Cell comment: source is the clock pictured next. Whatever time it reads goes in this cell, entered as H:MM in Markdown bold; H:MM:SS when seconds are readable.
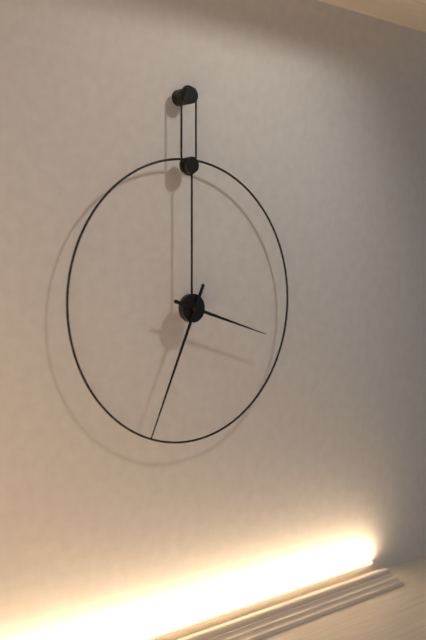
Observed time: **3:34**
